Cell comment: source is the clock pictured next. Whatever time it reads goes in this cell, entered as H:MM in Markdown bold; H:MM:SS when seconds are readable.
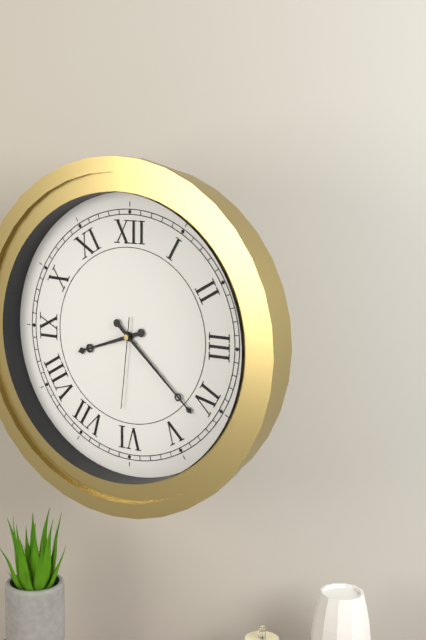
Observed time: **8:22:31**
